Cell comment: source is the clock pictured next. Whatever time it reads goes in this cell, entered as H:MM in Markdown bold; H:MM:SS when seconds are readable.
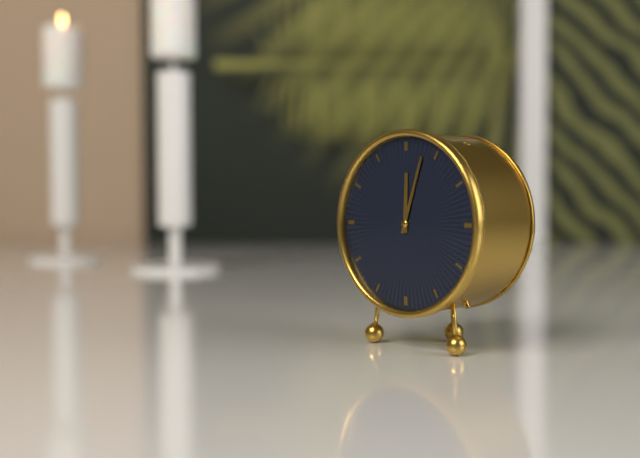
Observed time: **12:03**
